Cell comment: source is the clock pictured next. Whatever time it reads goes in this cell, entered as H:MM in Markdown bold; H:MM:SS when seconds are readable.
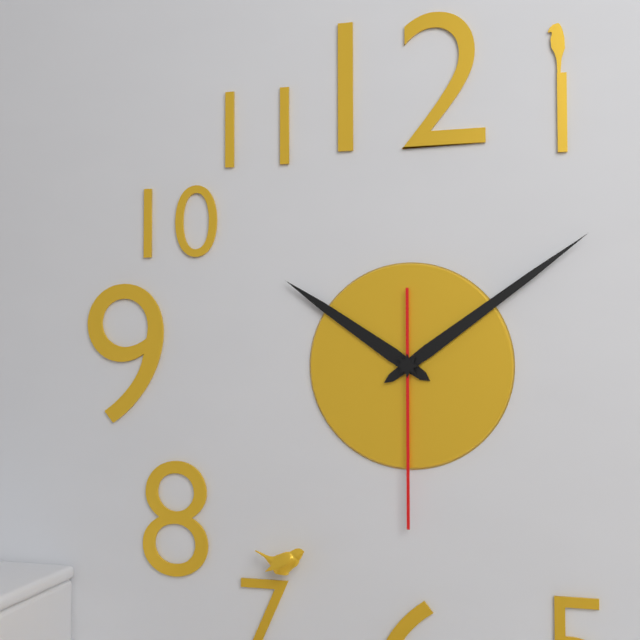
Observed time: **10:09:30**
